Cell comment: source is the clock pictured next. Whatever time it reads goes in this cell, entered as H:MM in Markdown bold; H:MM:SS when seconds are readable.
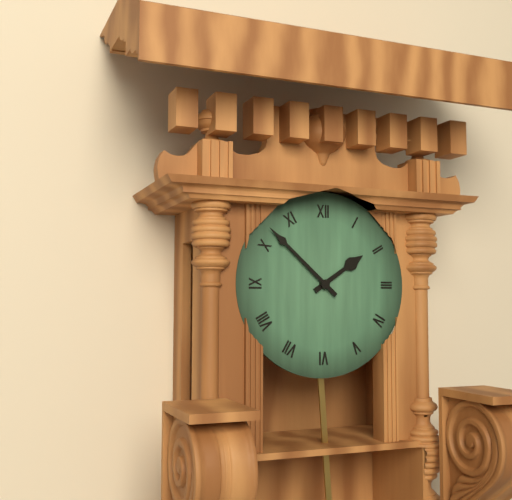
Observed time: **1:52**
